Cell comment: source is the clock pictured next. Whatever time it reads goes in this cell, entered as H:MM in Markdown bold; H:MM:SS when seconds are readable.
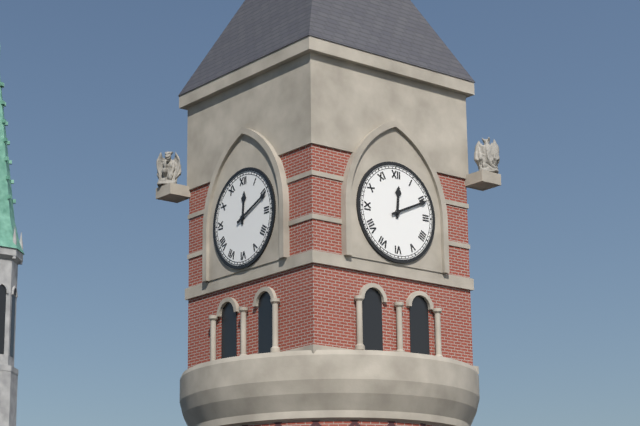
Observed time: **12:11**
